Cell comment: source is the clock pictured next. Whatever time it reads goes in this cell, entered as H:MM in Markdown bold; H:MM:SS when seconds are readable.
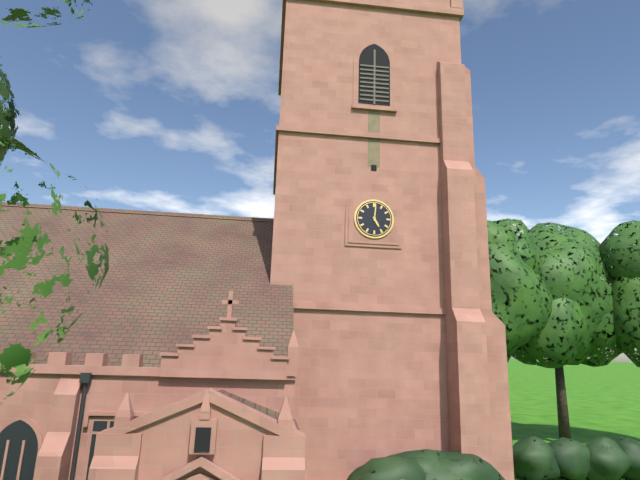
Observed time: **5:01**
